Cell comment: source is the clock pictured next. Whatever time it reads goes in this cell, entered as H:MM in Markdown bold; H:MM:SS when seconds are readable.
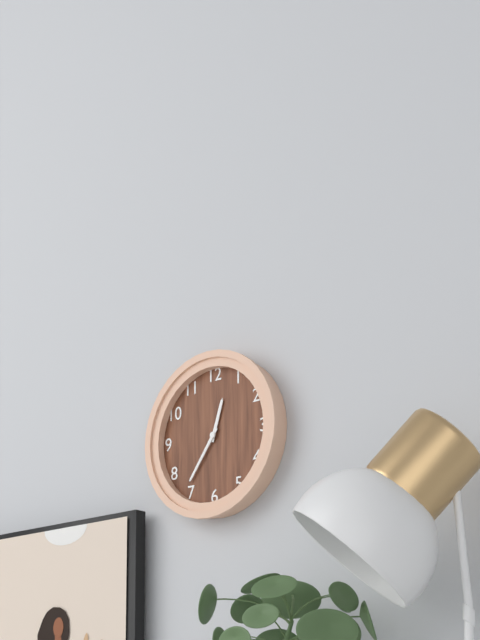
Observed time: **12:36**
